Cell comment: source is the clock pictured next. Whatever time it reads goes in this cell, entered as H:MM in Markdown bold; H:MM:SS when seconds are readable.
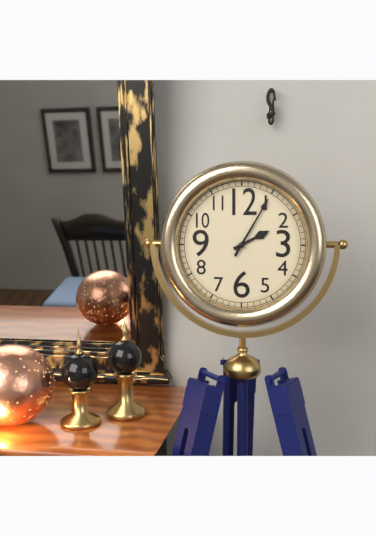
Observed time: **2:05**
